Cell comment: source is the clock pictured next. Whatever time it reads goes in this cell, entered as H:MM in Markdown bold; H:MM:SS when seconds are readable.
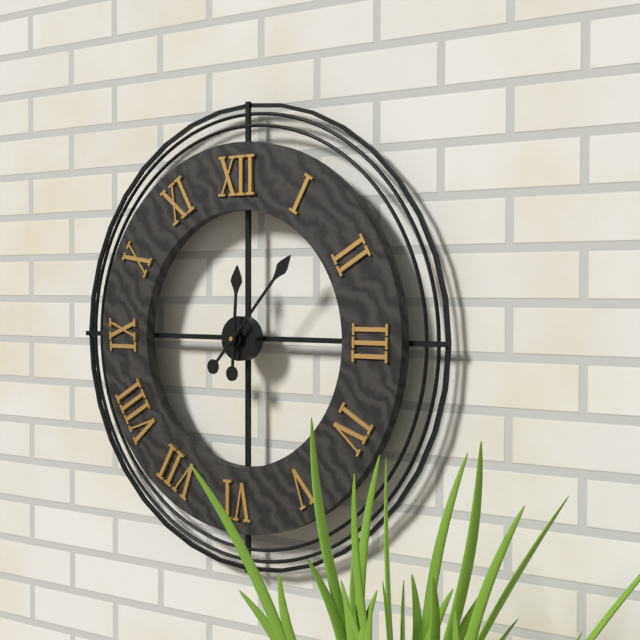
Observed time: **12:07**
